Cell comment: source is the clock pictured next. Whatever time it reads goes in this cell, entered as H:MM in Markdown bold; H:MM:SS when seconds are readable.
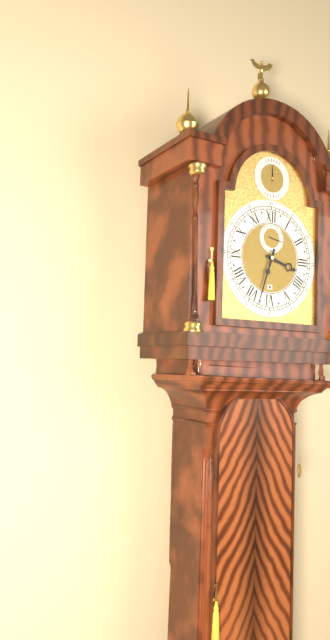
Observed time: **3:33**
